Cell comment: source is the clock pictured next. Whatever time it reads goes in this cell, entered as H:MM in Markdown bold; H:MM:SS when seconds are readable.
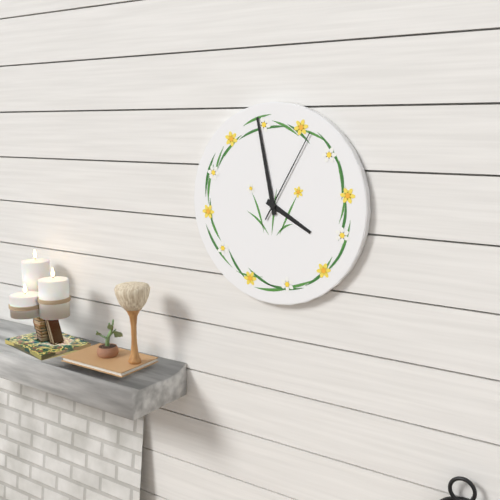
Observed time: **3:58:05**
